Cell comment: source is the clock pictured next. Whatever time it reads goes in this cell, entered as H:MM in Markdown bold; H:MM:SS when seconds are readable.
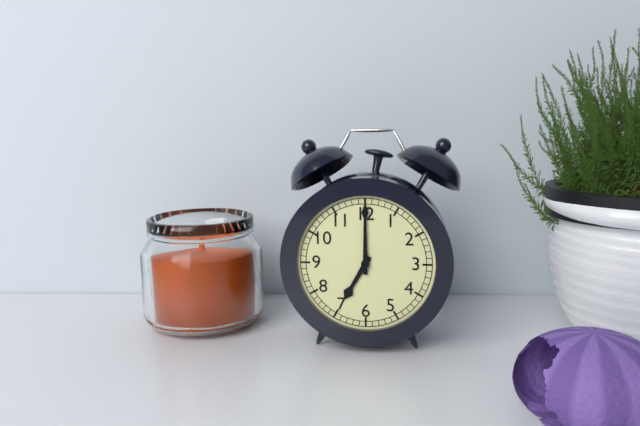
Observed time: **7:00**
